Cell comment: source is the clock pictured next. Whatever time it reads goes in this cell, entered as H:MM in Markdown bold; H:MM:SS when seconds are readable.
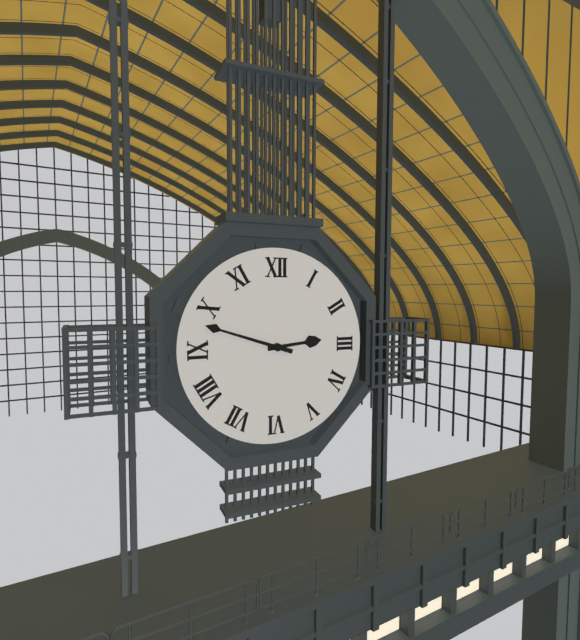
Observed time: **2:48**
